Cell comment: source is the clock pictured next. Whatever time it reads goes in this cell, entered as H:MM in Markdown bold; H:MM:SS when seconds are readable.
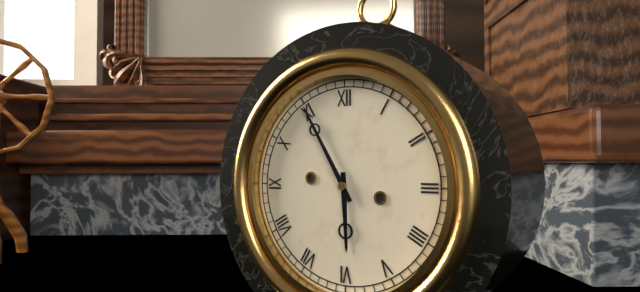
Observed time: **5:55**
